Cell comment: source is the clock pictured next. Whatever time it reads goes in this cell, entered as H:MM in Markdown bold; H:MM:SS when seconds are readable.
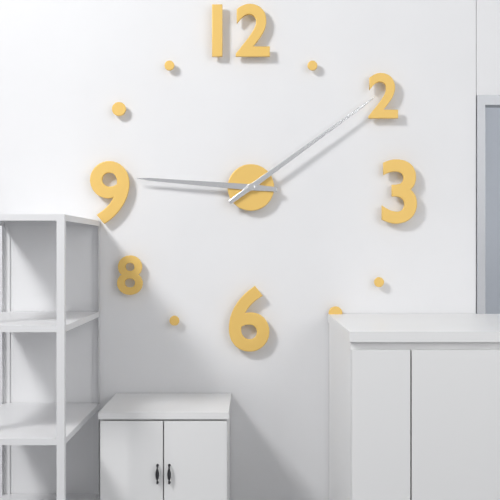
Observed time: **9:09**
